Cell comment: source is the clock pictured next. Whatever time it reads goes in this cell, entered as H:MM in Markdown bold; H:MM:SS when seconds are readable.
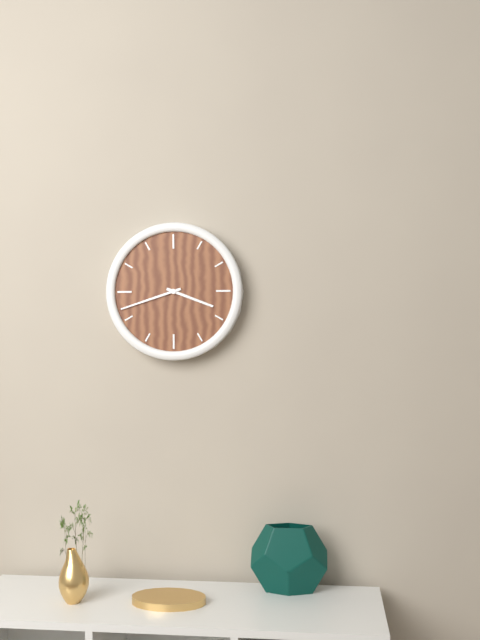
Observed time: **3:42**
